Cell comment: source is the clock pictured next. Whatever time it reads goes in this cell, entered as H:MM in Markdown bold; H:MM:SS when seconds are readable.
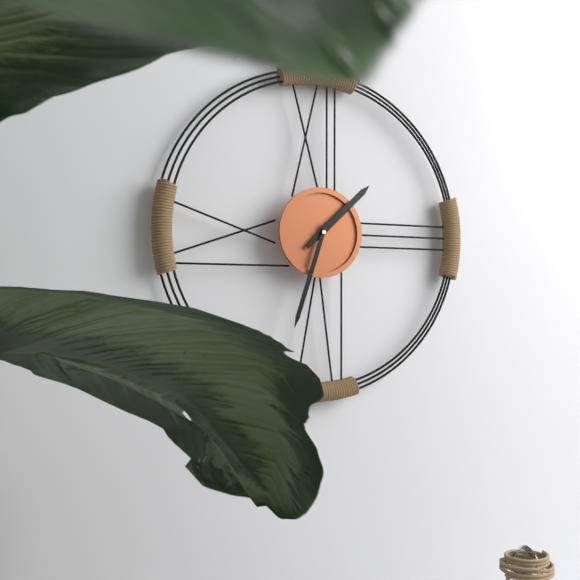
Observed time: **1:33**
